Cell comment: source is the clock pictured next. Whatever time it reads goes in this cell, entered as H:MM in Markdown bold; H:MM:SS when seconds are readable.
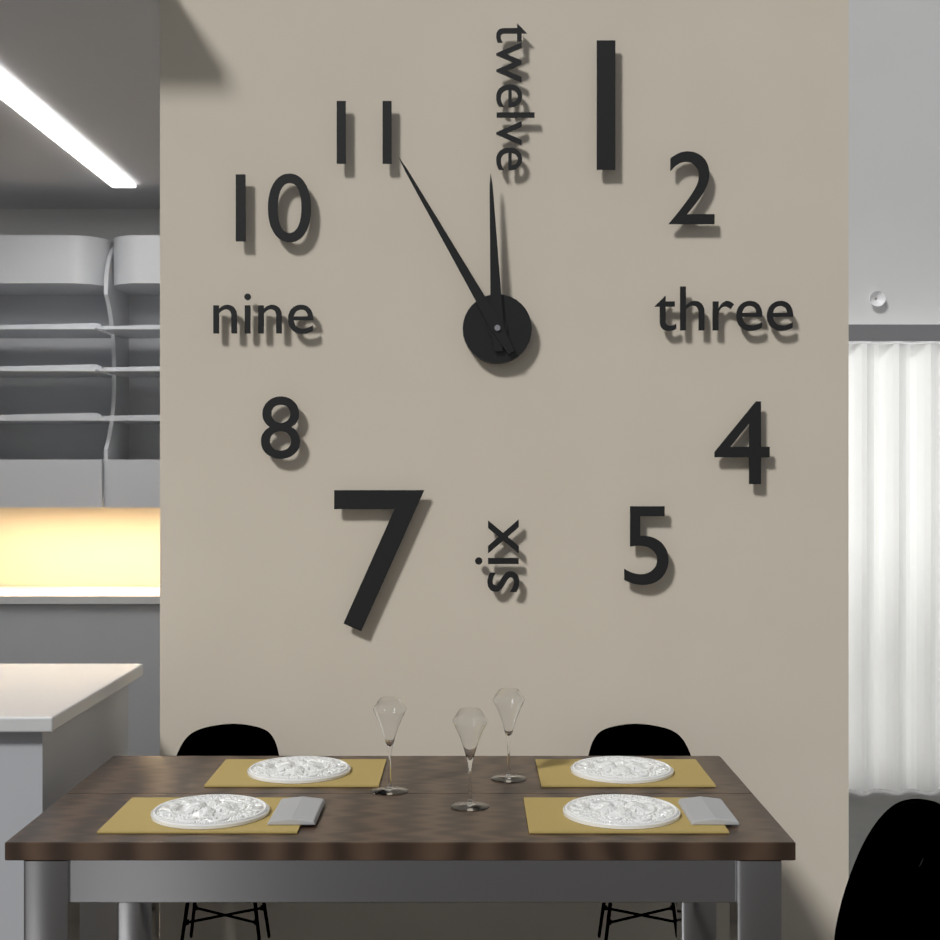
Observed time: **11:55**
